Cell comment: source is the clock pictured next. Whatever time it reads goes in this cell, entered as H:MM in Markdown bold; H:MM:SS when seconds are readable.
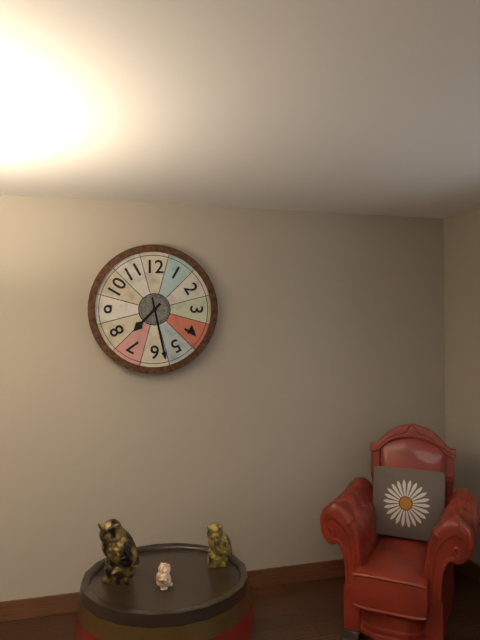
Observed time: **7:28**
